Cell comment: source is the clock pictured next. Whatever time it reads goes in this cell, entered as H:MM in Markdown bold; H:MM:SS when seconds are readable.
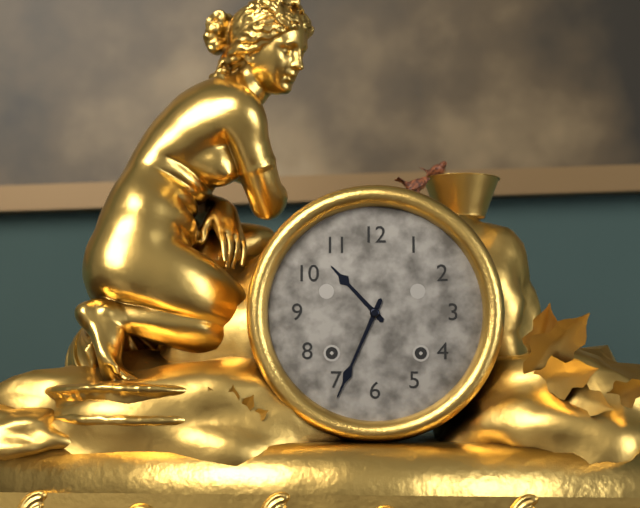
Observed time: **10:34**
